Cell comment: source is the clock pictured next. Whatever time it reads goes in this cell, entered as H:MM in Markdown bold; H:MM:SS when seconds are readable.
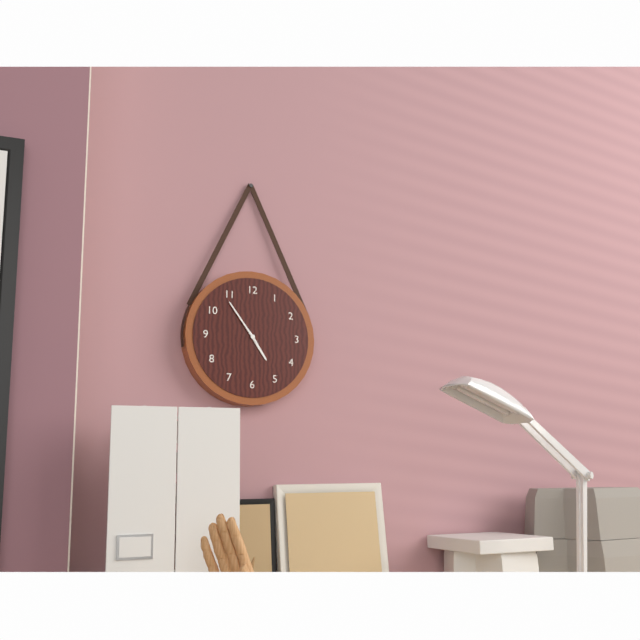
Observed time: **4:54**
